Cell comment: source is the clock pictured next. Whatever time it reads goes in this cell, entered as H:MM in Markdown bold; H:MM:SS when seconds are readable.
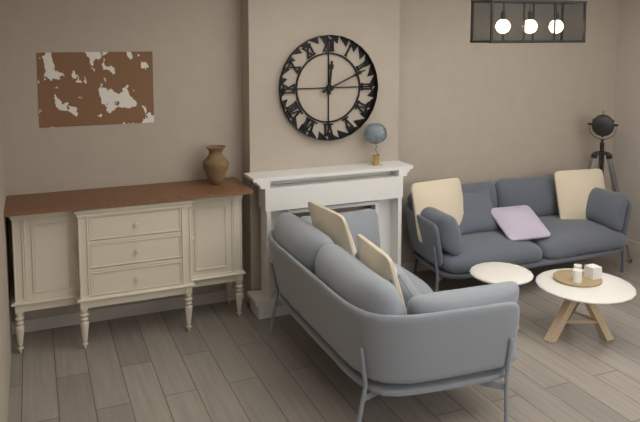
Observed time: **12:11**
